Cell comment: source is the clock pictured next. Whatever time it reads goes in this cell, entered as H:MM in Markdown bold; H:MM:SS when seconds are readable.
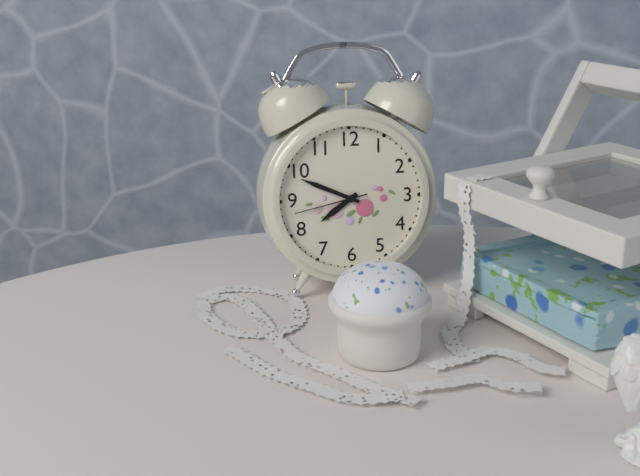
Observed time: **7:49:43**
